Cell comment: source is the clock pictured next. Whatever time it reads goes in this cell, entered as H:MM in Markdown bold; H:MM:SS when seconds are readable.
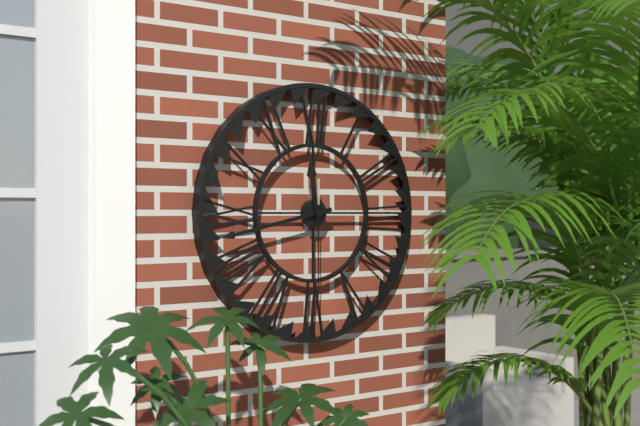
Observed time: **11:43:30**
